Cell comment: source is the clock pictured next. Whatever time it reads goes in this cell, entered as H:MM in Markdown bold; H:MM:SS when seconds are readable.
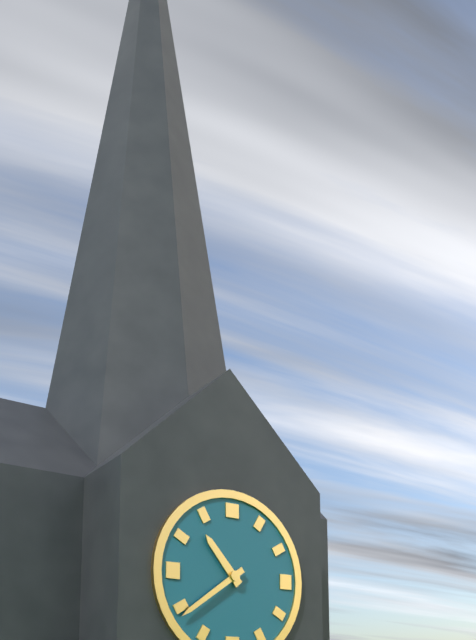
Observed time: **10:39**
